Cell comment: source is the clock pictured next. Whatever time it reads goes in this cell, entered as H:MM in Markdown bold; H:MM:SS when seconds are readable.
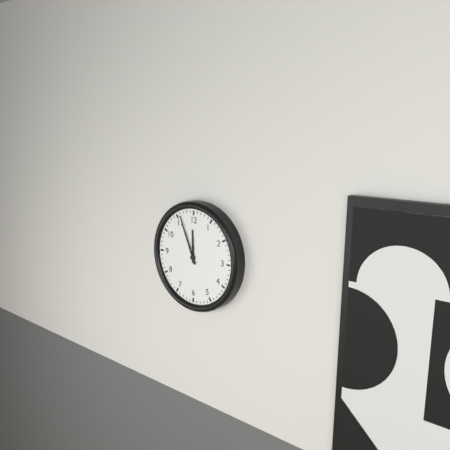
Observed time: **11:56**
